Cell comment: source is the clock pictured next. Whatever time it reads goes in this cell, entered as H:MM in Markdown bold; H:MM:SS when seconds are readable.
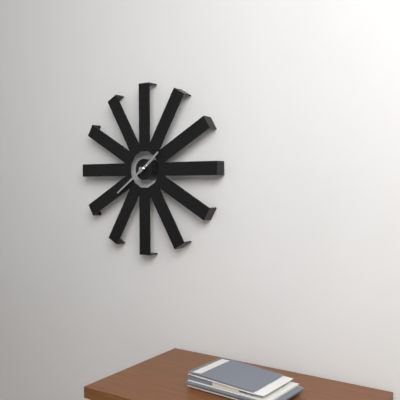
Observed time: **1:39**
